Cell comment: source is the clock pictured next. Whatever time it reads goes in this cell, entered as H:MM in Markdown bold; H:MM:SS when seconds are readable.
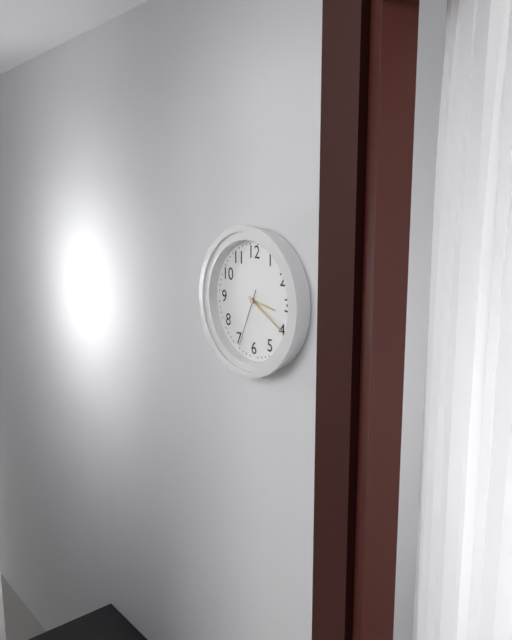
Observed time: **3:20:34**
